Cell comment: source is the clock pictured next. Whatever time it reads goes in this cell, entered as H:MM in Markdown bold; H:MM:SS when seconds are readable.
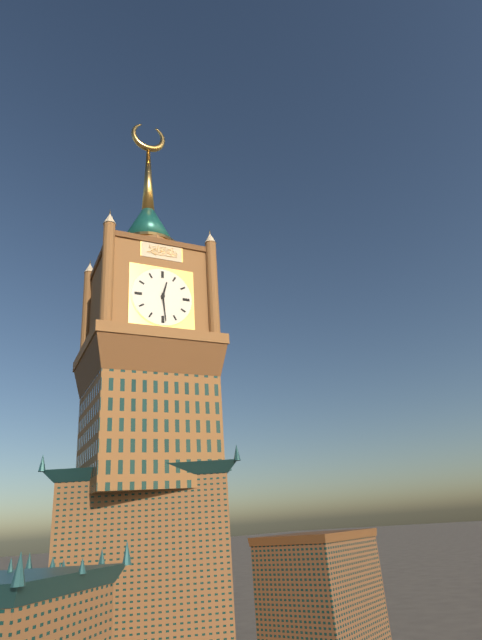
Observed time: **12:29**
